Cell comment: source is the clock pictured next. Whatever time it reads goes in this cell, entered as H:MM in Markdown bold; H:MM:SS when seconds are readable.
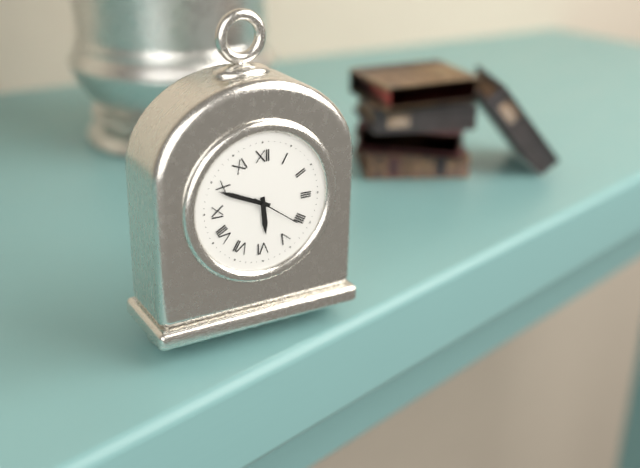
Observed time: **5:49**
